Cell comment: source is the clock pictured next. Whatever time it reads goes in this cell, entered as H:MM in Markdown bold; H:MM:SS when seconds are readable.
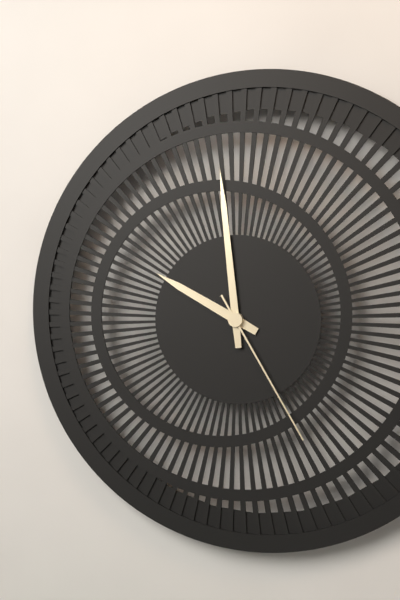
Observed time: **9:59:25**
